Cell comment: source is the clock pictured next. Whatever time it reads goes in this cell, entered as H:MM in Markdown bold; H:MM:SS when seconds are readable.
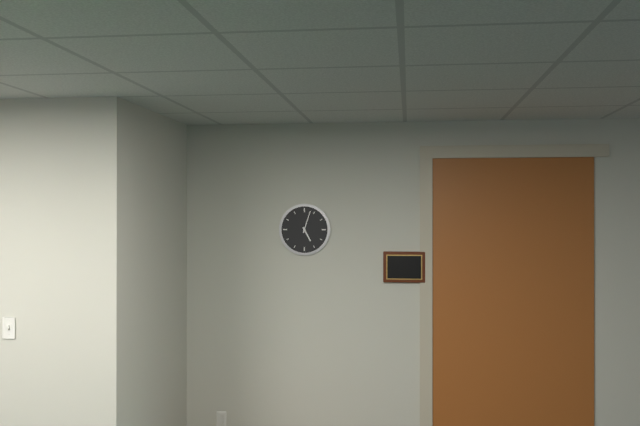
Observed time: **5:03**
